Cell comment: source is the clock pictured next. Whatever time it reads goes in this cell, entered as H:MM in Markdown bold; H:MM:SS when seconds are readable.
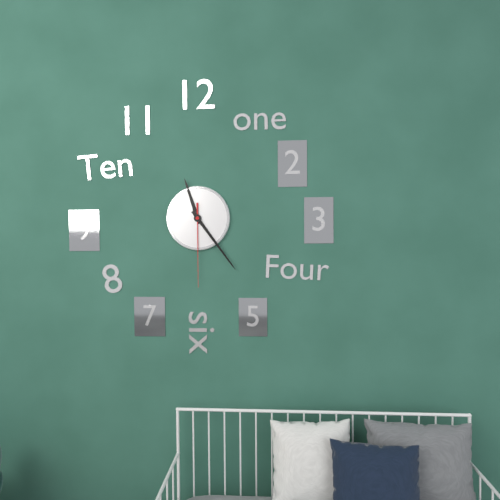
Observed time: **11:24:30**
